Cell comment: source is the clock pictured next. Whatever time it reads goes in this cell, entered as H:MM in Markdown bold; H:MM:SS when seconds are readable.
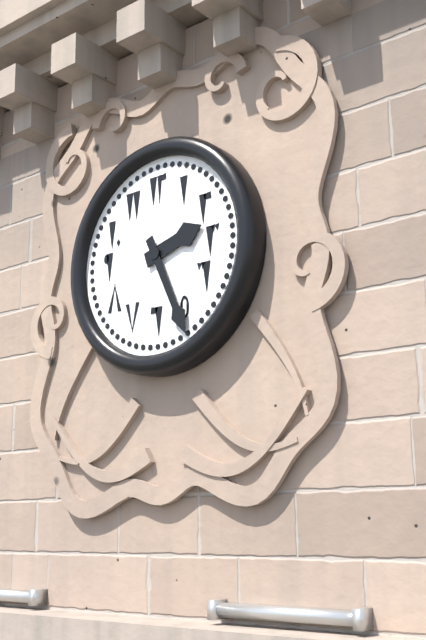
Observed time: **2:26**
